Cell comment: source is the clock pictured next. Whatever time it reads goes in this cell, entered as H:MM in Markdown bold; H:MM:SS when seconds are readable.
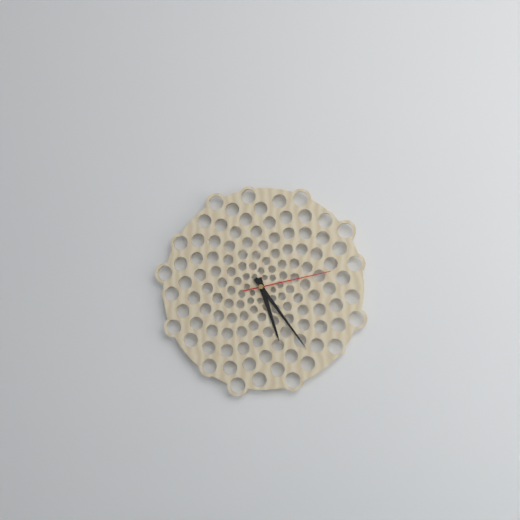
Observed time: **5:24:13**
